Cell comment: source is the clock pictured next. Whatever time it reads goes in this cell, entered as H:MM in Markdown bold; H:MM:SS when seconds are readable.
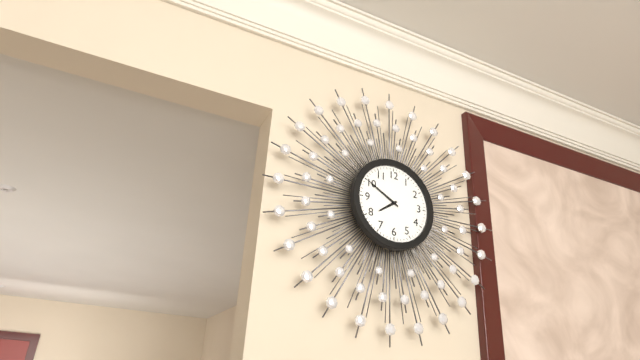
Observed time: **7:50**
